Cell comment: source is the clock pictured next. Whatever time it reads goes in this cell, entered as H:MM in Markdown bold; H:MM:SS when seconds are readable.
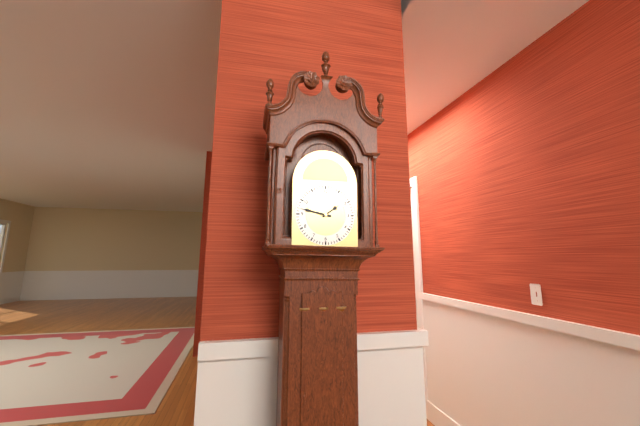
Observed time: **1:47**
